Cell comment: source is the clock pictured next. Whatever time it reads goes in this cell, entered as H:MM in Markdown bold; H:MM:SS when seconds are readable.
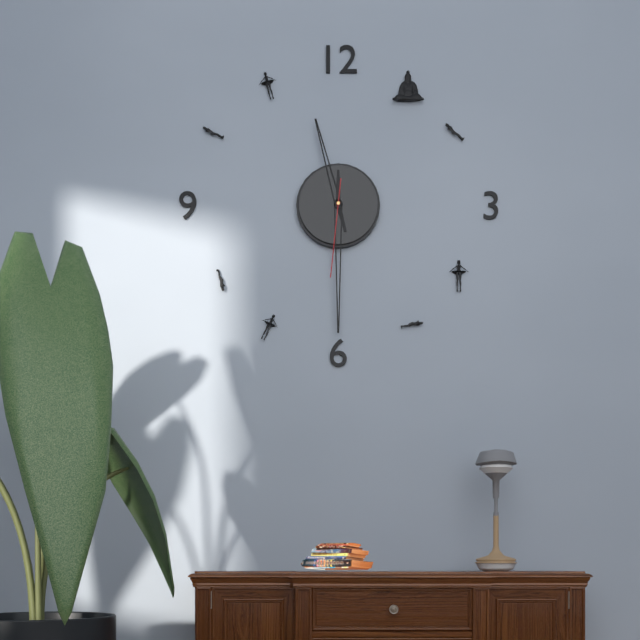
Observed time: **11:30:31**
